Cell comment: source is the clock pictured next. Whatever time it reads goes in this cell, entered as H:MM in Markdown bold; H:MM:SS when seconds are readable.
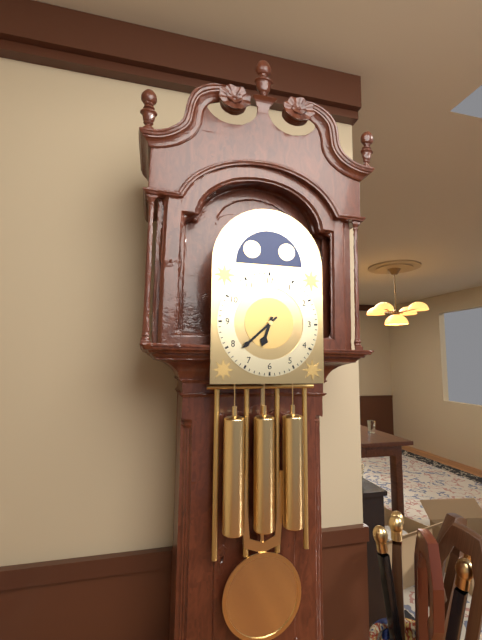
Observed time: **6:38**
